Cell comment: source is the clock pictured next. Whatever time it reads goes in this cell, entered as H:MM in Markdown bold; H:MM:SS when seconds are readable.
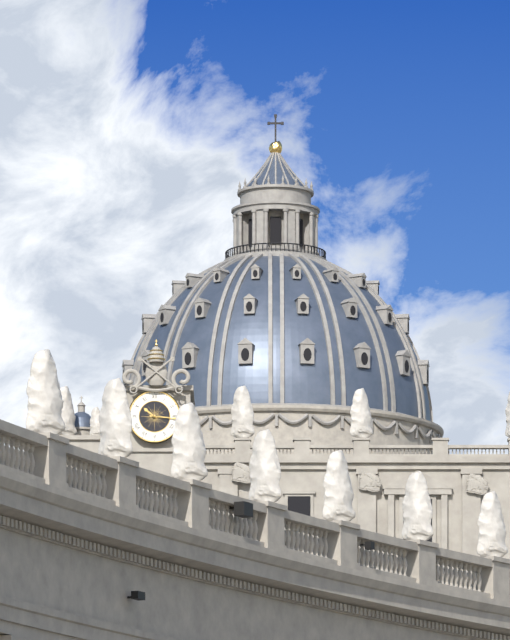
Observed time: **10:16**
